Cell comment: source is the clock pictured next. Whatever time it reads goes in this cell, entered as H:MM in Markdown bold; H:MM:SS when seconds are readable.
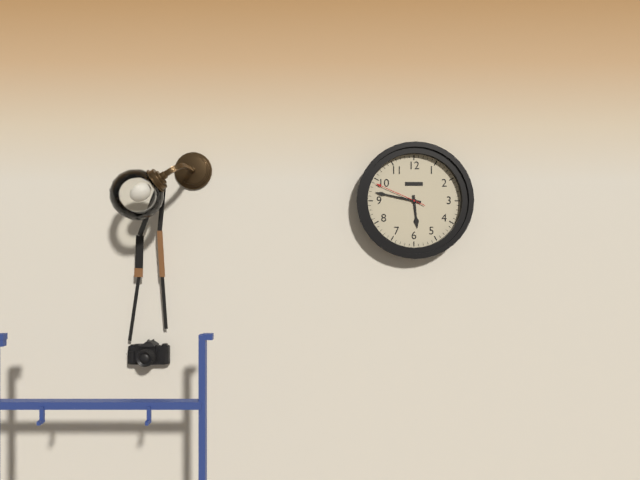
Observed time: **5:47:49**
